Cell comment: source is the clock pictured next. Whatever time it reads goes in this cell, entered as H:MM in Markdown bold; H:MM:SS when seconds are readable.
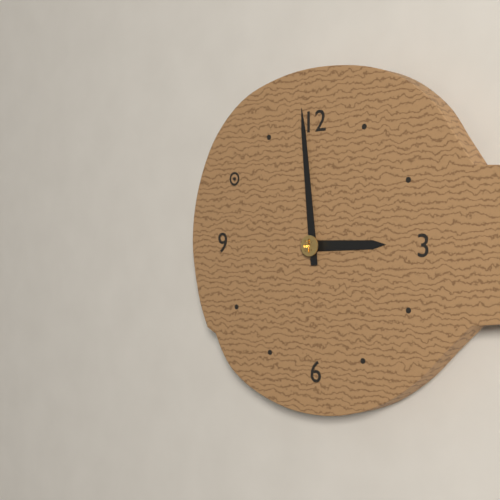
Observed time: **2:59**
